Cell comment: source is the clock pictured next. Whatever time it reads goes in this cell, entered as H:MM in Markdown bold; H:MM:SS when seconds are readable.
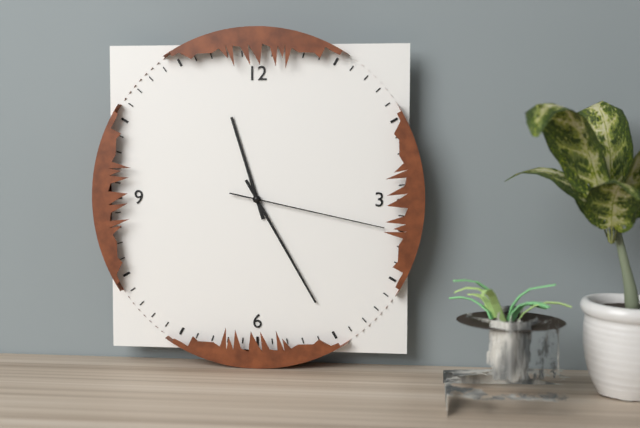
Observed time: **11:25:17**
